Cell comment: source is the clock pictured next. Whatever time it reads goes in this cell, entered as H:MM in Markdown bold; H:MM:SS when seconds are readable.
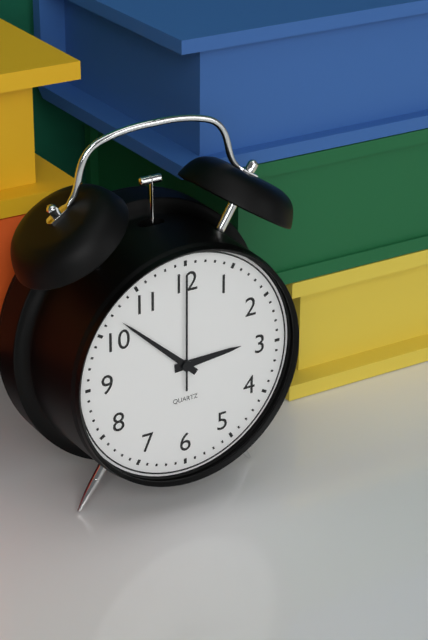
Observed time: **2:52:00**
